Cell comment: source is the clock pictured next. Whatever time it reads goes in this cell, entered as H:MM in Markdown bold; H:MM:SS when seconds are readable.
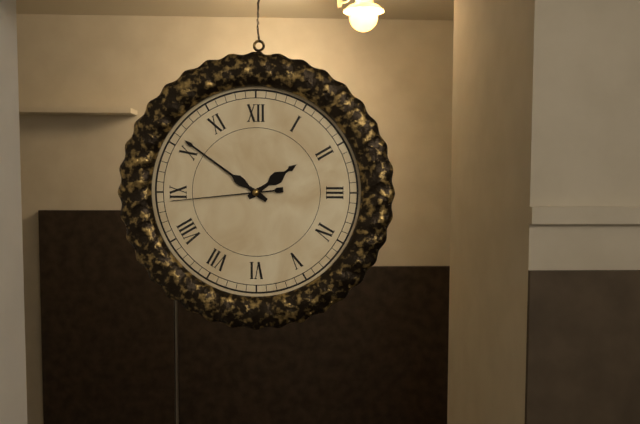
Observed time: **1:51:44**
